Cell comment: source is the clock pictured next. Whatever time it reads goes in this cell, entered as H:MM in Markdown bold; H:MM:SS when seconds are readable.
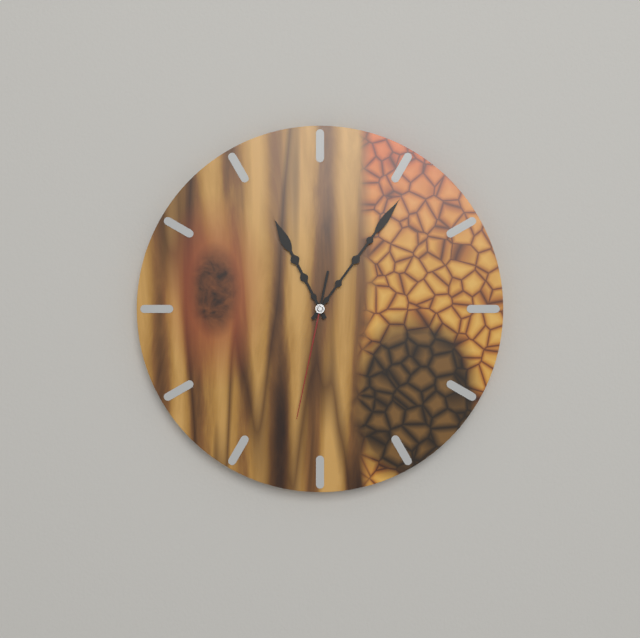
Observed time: **11:06:32**
